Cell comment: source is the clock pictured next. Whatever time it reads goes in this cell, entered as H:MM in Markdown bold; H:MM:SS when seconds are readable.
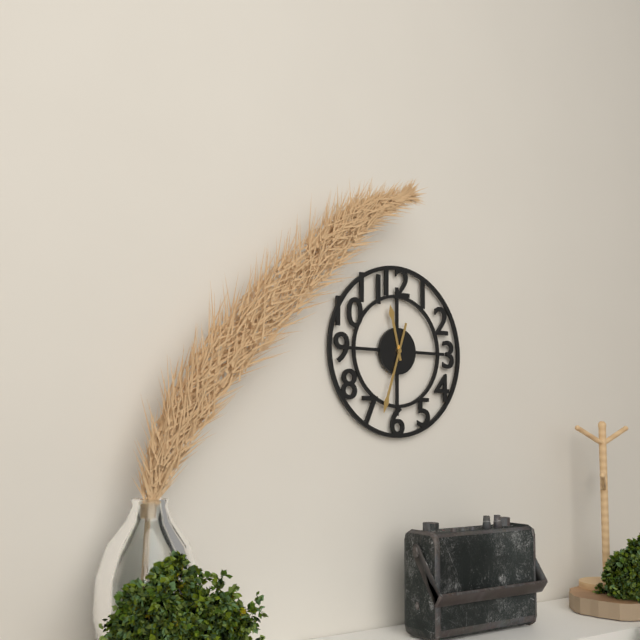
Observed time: **11:33**
